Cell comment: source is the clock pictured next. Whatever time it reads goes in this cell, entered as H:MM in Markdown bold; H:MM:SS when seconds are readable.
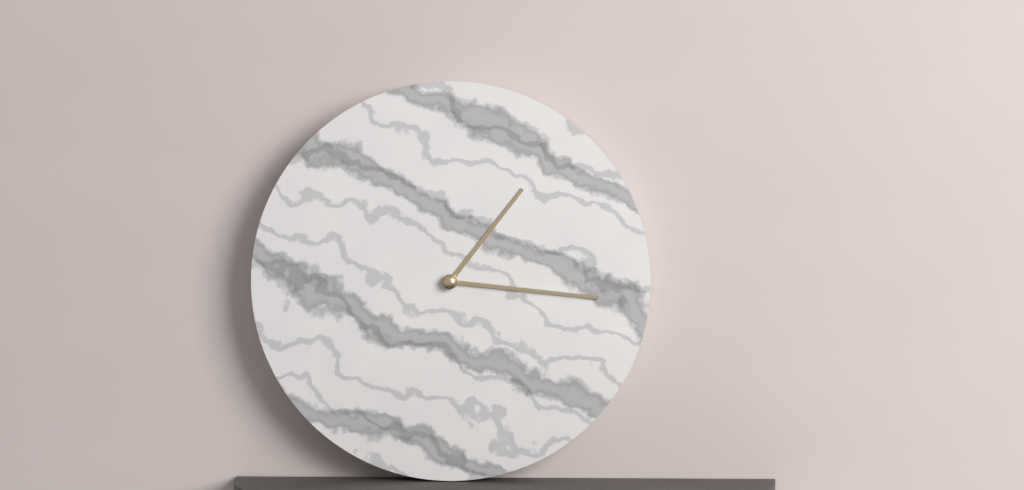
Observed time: **1:16**
